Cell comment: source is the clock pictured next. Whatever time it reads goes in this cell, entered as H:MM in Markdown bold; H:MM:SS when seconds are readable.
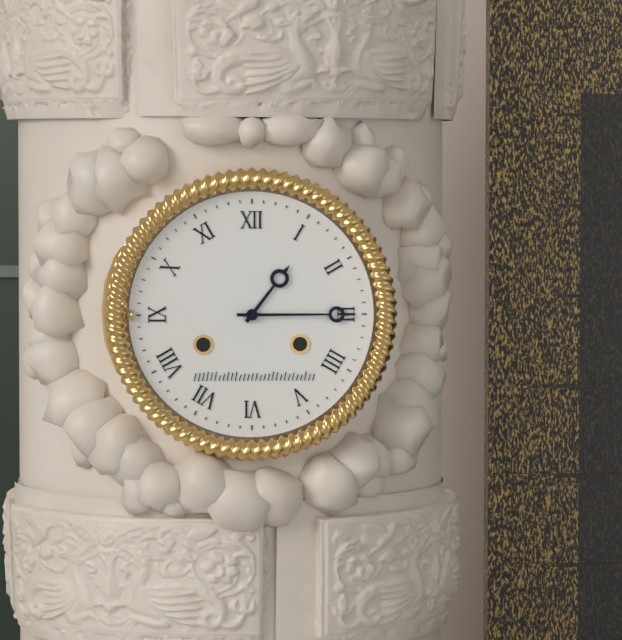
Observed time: **1:15**
